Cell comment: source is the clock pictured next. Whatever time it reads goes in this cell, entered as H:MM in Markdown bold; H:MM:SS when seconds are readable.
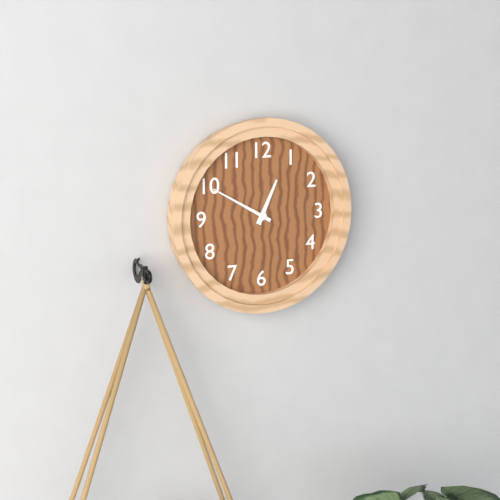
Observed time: **12:50**
